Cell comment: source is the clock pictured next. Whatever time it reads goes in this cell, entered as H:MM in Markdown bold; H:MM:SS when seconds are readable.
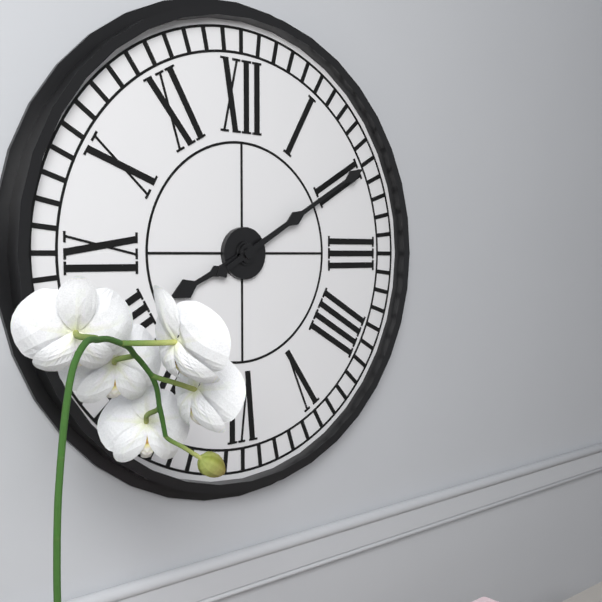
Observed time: **8:10**
